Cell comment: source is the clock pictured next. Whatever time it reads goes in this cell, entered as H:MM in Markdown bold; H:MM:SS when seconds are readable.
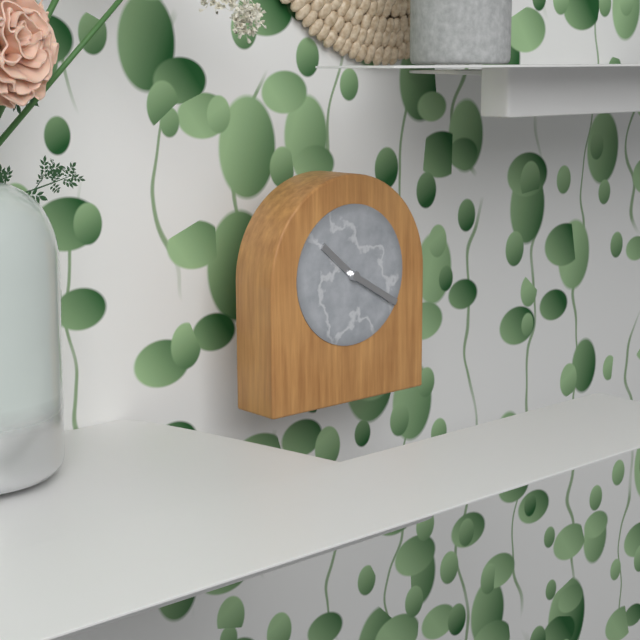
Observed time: **10:20**
